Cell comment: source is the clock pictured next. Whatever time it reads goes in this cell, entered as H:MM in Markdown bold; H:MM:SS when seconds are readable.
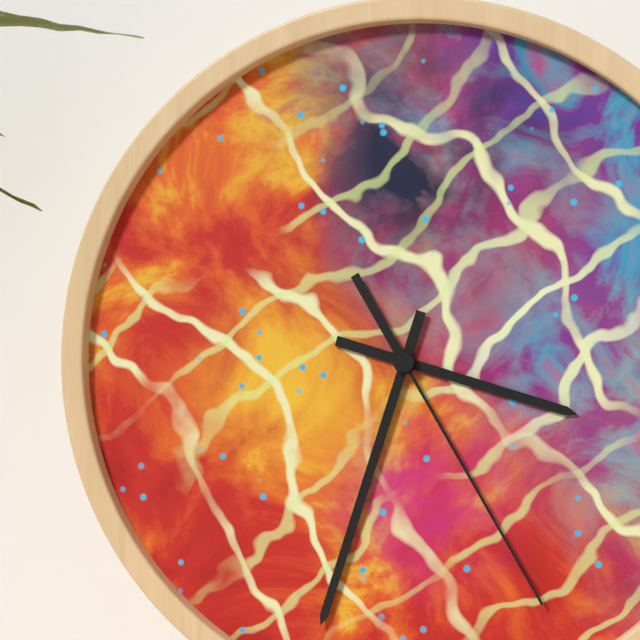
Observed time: **3:33:25**
